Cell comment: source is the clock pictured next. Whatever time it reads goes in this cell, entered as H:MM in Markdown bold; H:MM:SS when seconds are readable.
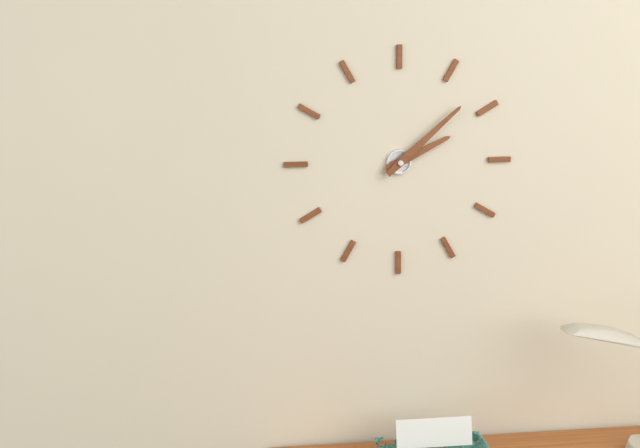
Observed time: **2:08**
